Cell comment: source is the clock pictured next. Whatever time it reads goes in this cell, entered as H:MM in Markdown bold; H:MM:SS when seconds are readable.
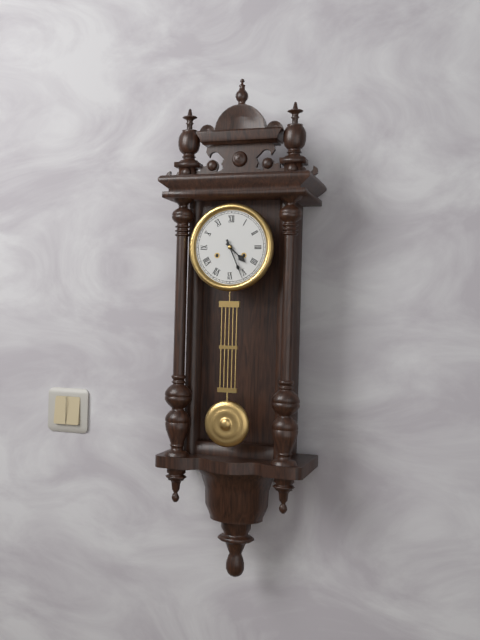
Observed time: **4:26**
